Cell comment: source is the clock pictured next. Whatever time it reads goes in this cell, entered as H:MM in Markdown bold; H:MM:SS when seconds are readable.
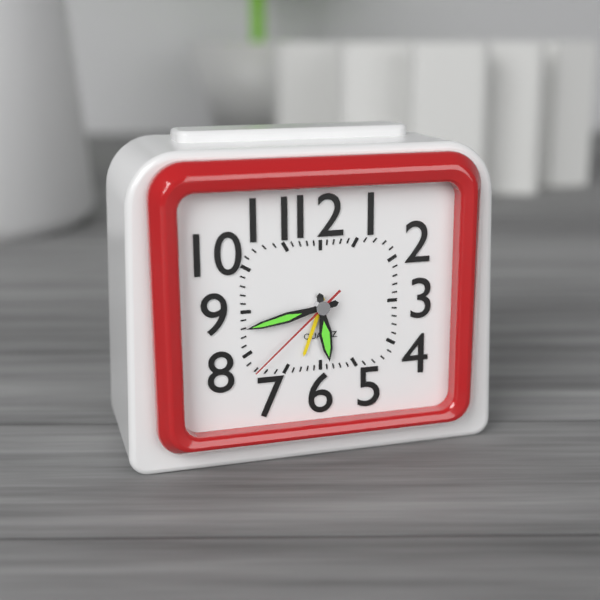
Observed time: **5:43:38**
